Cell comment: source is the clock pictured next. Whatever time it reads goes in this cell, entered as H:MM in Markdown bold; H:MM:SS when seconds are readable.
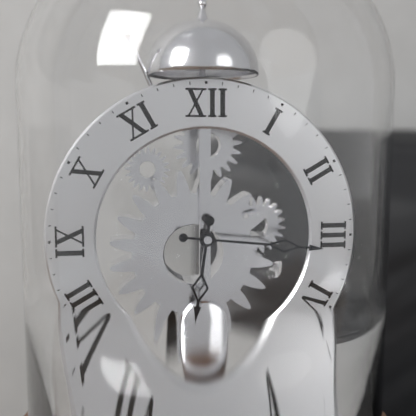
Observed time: **6:16**
